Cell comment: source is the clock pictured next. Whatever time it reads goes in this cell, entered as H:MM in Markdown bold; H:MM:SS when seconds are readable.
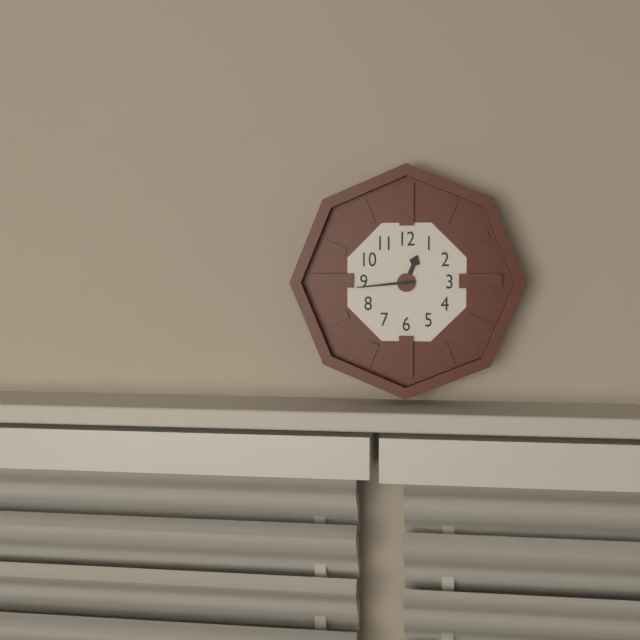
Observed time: **12:44**
